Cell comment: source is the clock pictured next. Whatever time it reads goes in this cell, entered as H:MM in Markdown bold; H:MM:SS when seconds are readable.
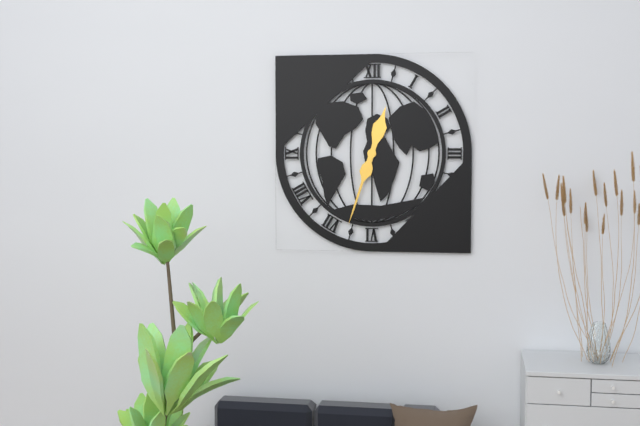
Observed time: **12:33**
